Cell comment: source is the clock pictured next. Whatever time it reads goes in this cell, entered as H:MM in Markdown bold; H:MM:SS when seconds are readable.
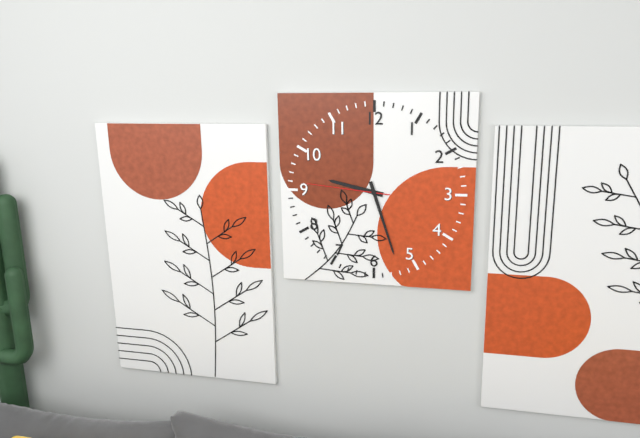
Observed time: **9:27:46**
